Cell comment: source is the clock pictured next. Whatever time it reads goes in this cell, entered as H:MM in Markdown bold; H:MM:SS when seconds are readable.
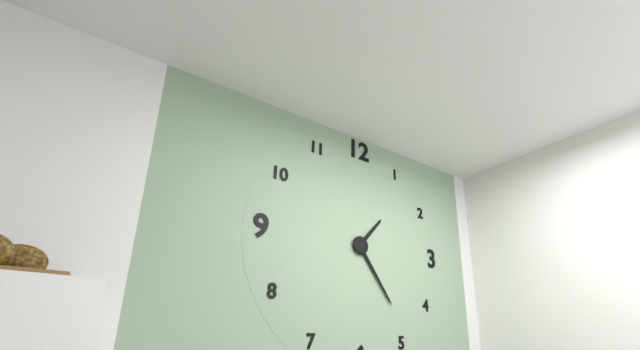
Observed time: **1:24**
